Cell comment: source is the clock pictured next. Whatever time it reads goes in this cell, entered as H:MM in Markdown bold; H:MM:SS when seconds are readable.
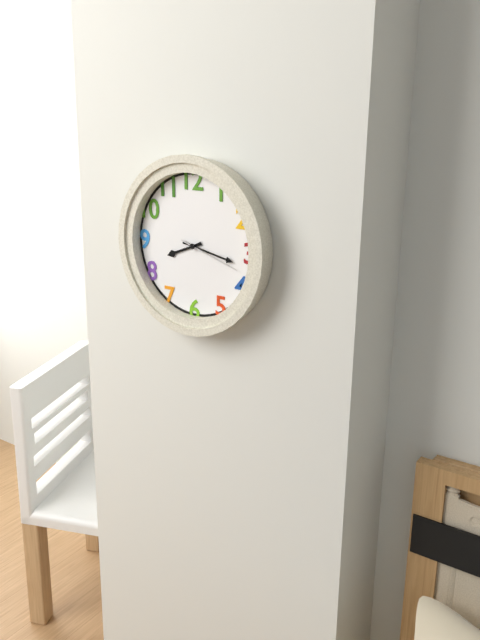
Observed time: **8:17:18**
